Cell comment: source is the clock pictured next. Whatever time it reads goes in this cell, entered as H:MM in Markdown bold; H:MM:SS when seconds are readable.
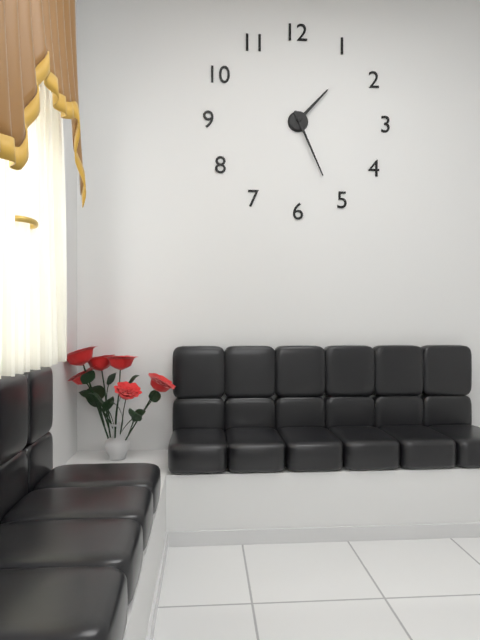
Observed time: **1:26**
